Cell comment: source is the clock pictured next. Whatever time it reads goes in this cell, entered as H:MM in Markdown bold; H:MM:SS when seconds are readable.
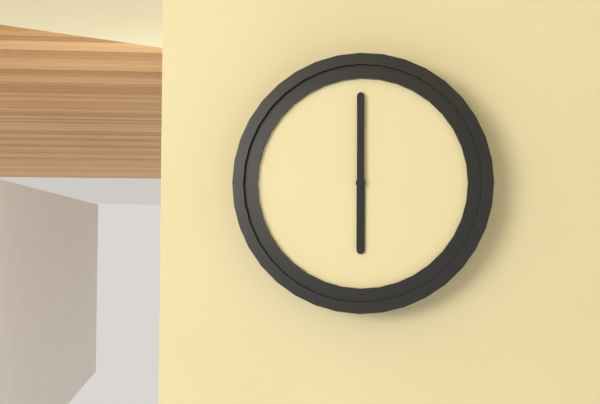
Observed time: **6:00**
